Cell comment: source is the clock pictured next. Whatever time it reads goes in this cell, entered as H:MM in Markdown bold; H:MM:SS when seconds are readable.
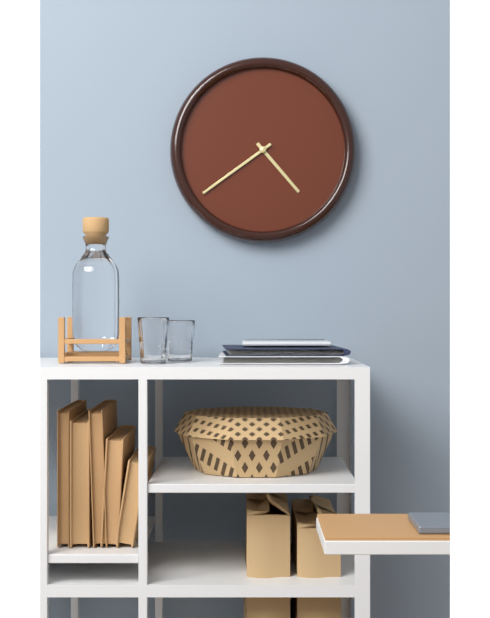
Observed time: **4:39**
